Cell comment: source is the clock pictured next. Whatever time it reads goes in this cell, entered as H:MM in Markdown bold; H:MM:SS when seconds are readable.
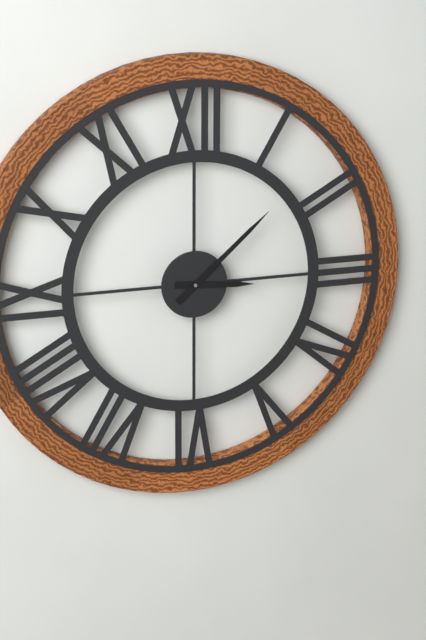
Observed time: **3:08**
